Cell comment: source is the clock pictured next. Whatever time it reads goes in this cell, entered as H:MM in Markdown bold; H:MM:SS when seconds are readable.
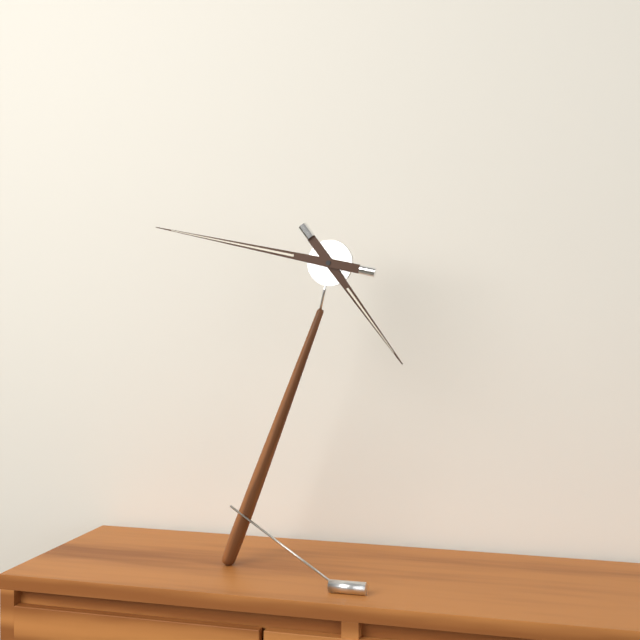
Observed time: **4:47**
